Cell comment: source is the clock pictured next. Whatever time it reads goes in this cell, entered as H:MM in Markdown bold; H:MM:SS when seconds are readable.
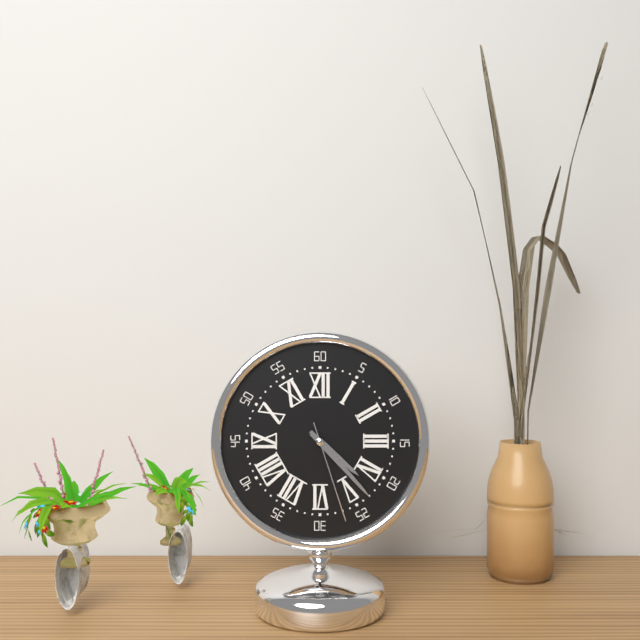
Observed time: **4:23:27**
